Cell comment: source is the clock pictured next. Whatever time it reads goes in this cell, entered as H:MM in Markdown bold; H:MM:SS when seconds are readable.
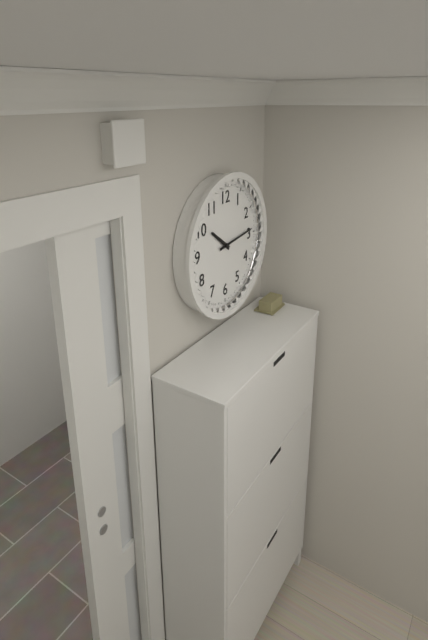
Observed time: **10:14**
